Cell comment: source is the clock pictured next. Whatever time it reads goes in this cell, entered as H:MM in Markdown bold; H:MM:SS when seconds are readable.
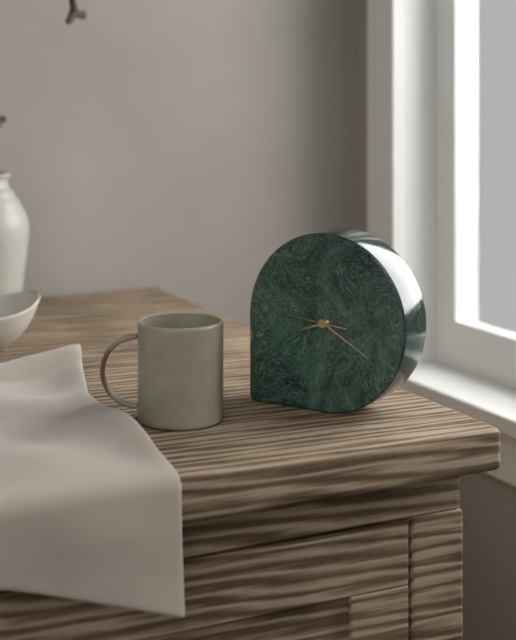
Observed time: **8:20:46**
